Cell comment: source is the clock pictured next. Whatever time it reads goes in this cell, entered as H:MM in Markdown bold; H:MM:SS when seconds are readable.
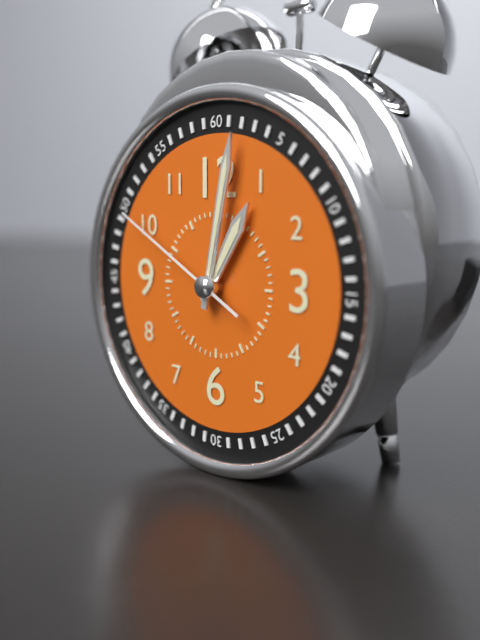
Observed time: **1:02:50**
